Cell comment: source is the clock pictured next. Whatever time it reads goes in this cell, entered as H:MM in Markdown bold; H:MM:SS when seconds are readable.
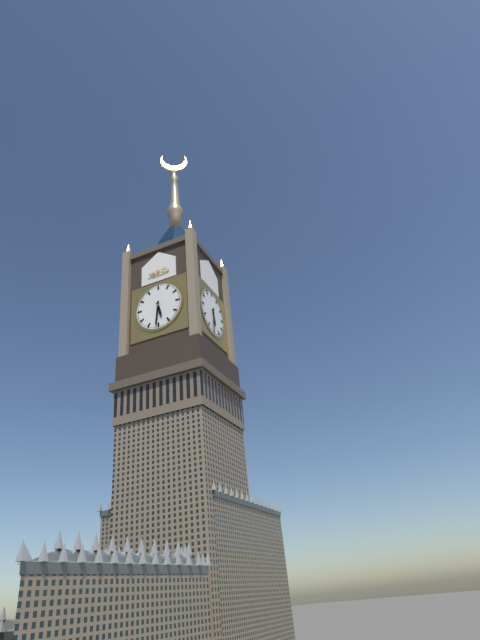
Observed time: **5:31**
